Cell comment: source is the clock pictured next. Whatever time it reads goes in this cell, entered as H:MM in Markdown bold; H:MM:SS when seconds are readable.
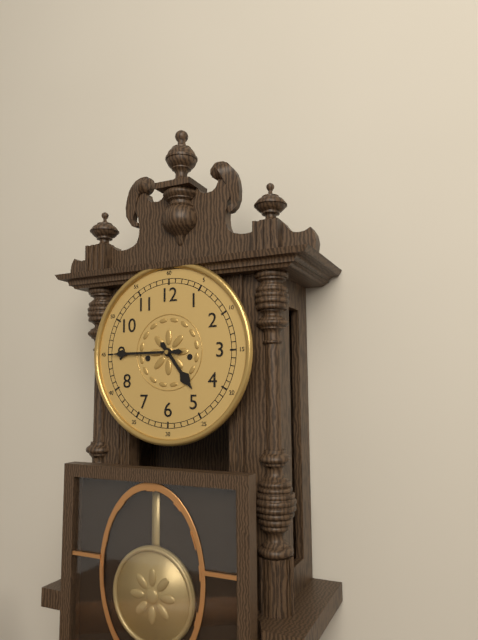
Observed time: **4:45**
